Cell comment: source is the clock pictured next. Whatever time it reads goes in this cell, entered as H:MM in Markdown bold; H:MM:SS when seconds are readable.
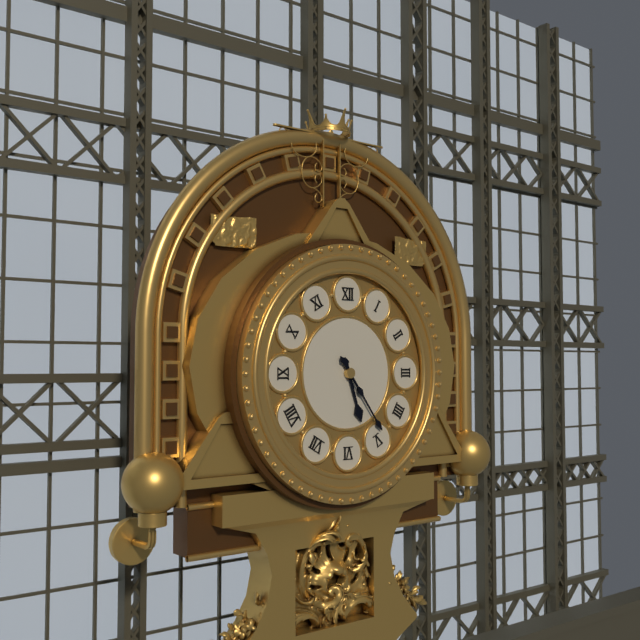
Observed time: **5:24**
